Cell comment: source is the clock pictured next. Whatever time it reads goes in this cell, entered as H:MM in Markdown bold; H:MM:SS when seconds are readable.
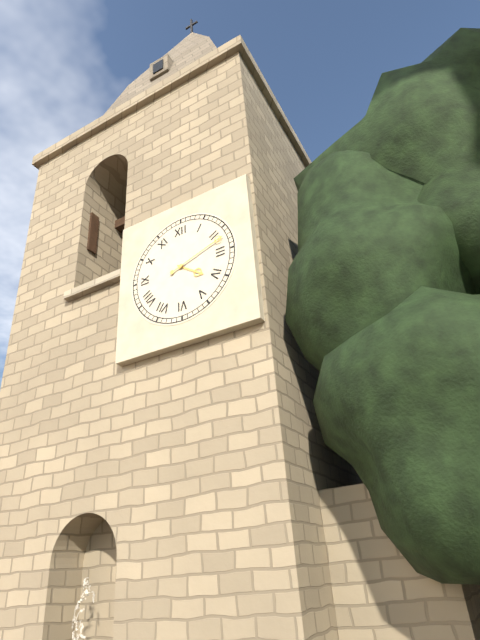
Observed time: **4:12**
